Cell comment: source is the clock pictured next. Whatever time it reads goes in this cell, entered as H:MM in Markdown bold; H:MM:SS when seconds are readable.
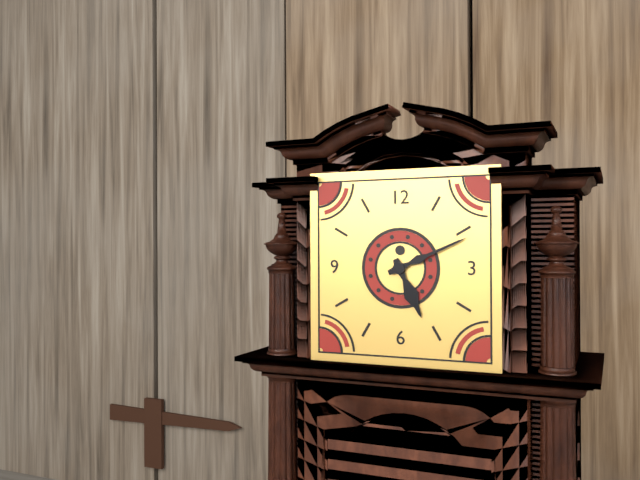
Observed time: **5:11**
